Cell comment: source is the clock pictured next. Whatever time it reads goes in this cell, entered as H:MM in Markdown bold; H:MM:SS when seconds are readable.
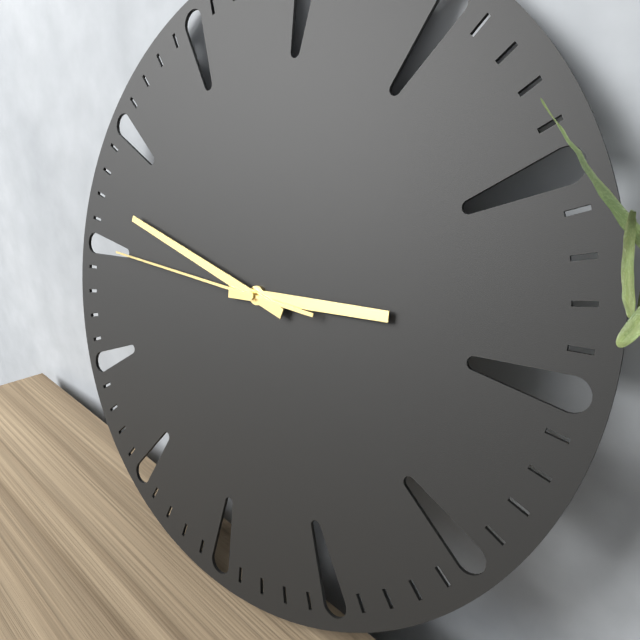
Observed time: **2:47:45**
